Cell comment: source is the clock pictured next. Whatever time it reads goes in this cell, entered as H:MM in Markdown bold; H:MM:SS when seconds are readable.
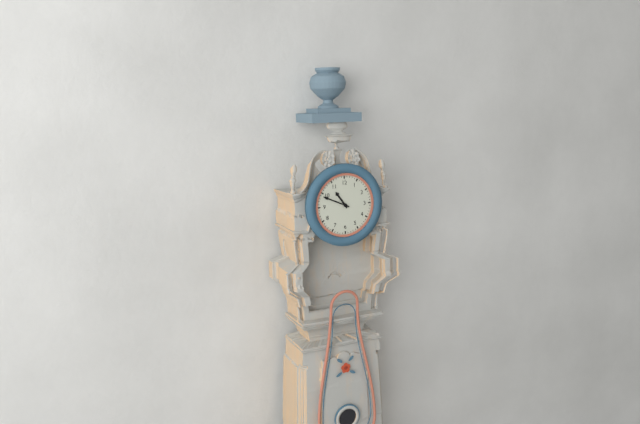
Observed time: **10:49**
